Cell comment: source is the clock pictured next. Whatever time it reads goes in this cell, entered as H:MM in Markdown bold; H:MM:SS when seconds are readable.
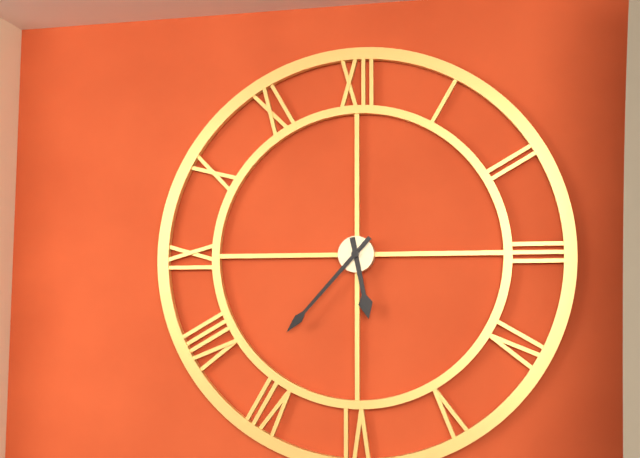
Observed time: **5:37**
